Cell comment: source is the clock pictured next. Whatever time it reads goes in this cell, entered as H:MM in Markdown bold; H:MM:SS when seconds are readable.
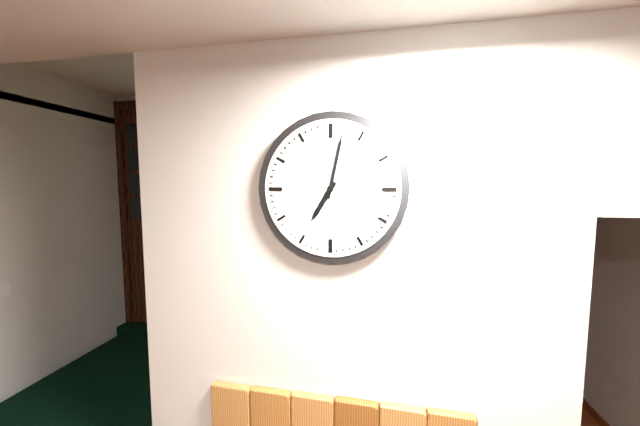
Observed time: **7:02**
